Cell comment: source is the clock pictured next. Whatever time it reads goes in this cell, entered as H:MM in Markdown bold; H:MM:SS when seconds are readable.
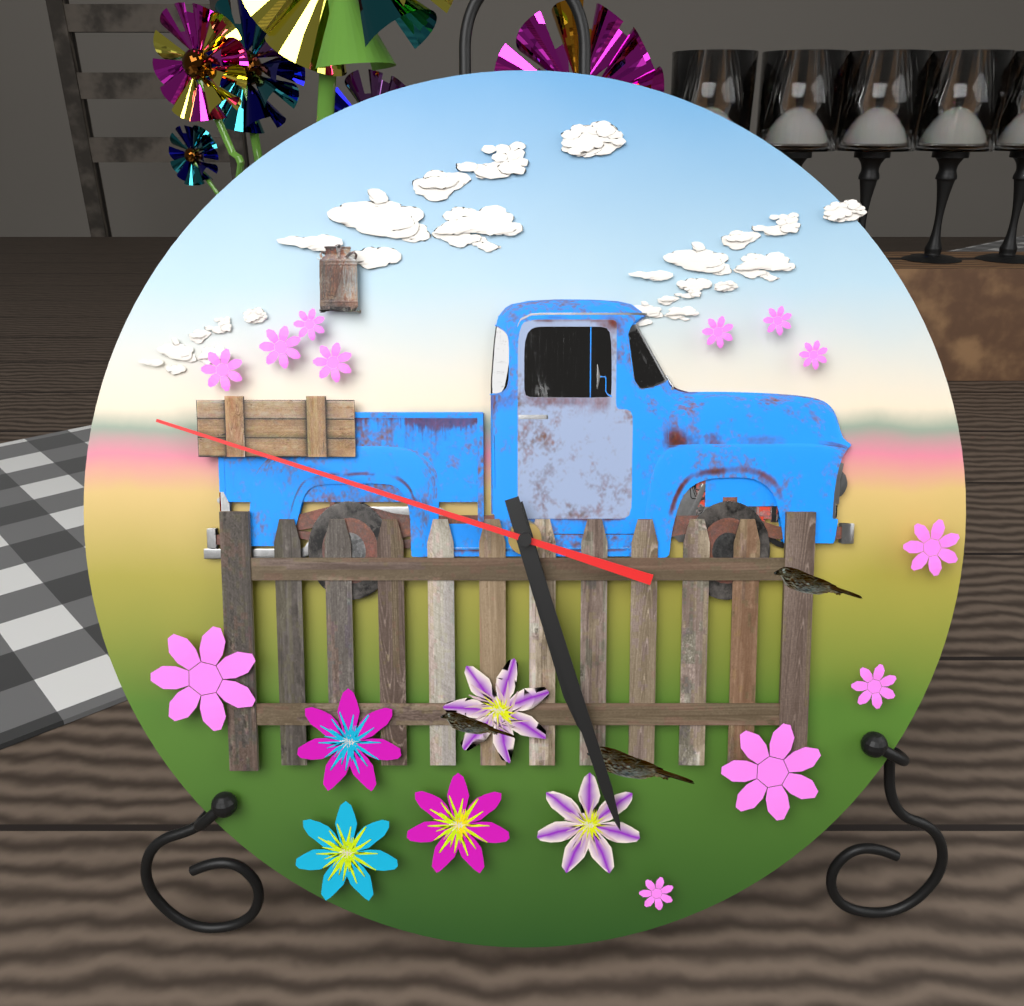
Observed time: **5:27:48**
